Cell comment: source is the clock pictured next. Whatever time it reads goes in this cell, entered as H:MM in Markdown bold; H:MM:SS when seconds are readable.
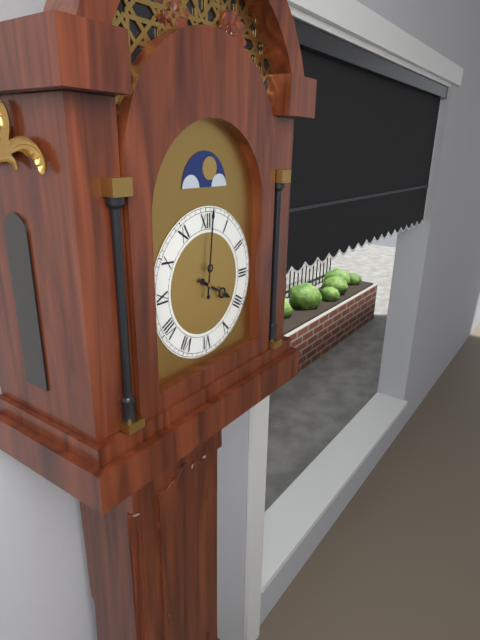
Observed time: **4:01**
